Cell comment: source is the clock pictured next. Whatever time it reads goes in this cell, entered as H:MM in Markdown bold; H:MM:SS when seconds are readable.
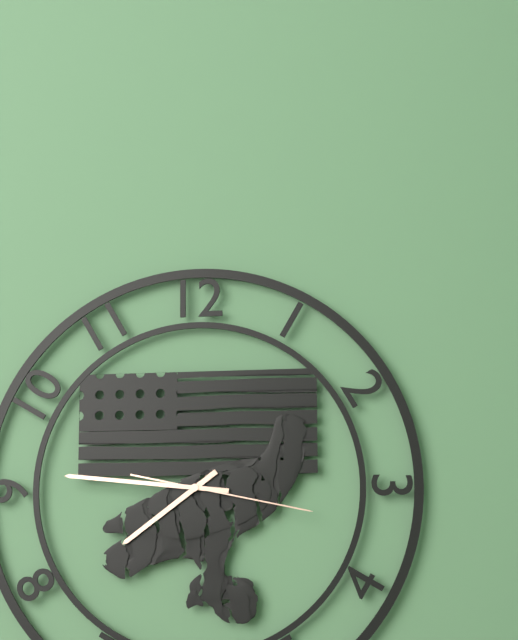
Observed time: **7:46:17**
